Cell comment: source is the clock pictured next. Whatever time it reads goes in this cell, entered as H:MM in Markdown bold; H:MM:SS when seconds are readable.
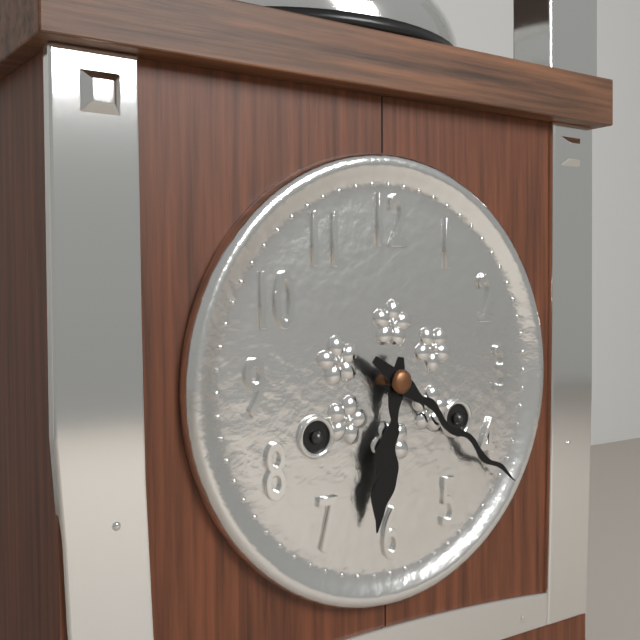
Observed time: **6:21**
